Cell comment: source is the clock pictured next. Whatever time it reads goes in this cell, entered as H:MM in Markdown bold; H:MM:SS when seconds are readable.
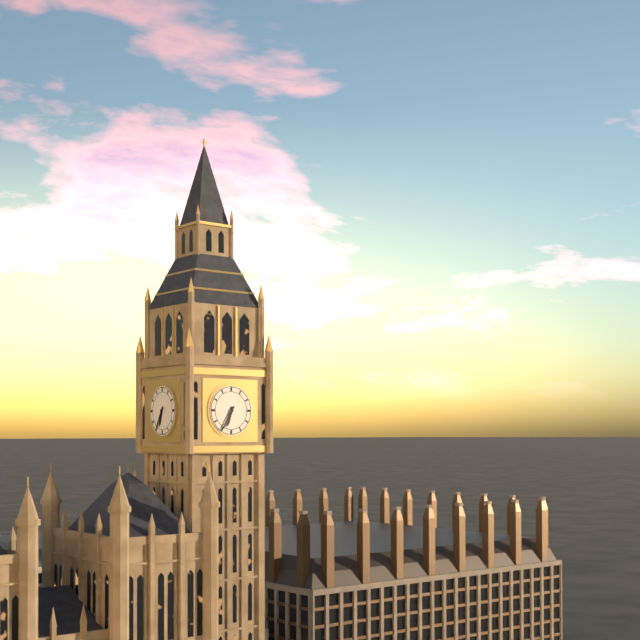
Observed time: **6:35**
